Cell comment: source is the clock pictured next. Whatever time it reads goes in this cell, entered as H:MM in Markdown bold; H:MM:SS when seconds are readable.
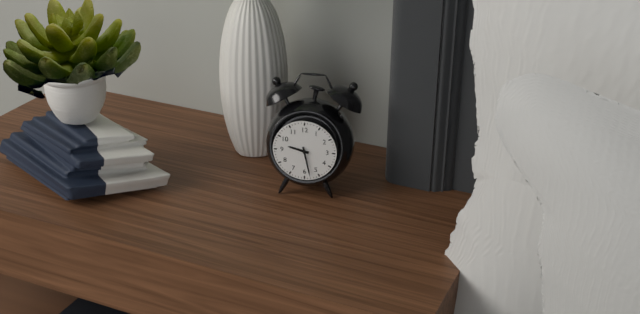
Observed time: **9:28**
